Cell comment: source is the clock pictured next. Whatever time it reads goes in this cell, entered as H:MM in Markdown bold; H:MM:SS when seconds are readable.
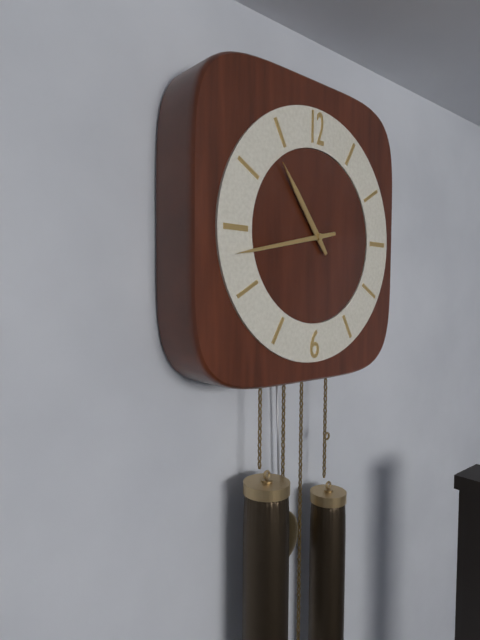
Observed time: **10:43**
